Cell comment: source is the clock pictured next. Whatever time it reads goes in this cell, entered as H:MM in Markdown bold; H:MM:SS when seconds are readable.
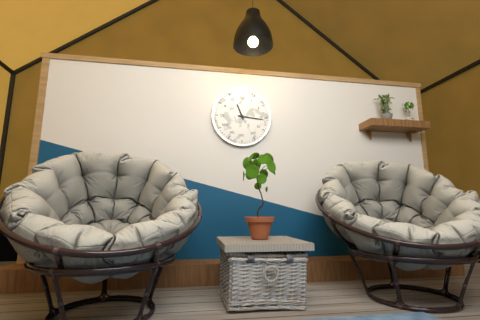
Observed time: **11:16**
